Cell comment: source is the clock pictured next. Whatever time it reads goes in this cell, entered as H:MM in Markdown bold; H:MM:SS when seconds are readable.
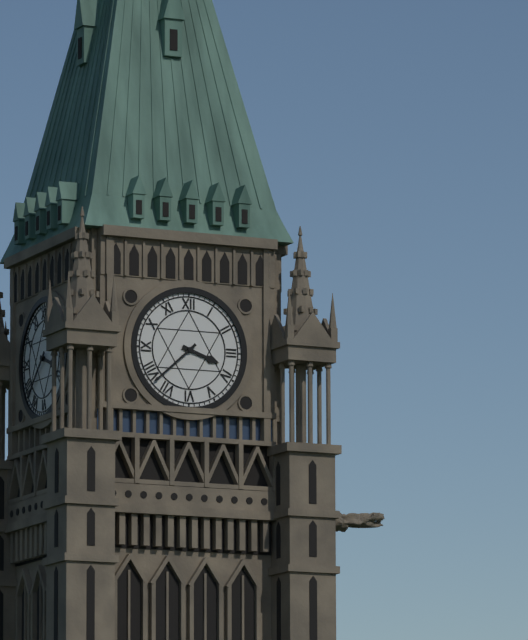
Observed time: **3:38**
